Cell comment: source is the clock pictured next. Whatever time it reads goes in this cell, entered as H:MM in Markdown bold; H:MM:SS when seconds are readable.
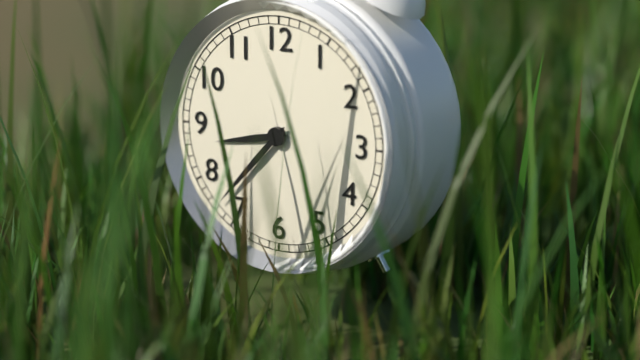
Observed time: **8:37**
